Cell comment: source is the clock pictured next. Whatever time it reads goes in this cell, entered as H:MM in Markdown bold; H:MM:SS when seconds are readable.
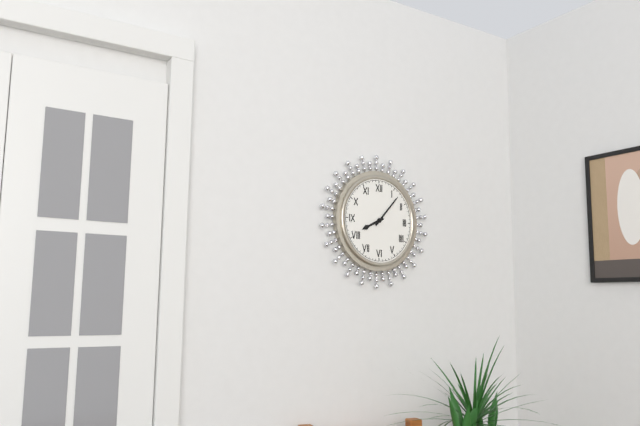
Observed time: **8:07**
